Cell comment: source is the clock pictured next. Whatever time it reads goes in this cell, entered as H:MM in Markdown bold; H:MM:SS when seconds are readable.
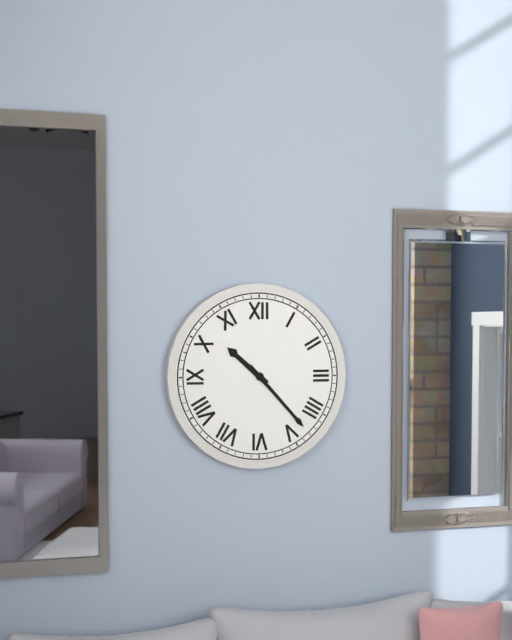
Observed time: **10:23**
